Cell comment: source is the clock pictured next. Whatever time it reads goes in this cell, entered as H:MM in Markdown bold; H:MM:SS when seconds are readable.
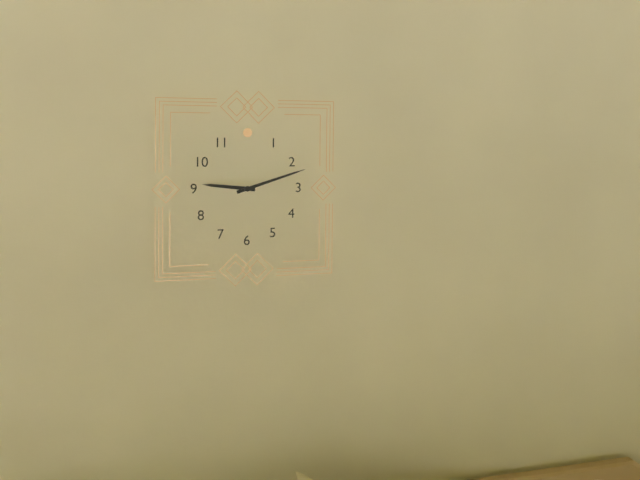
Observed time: **9:12**
